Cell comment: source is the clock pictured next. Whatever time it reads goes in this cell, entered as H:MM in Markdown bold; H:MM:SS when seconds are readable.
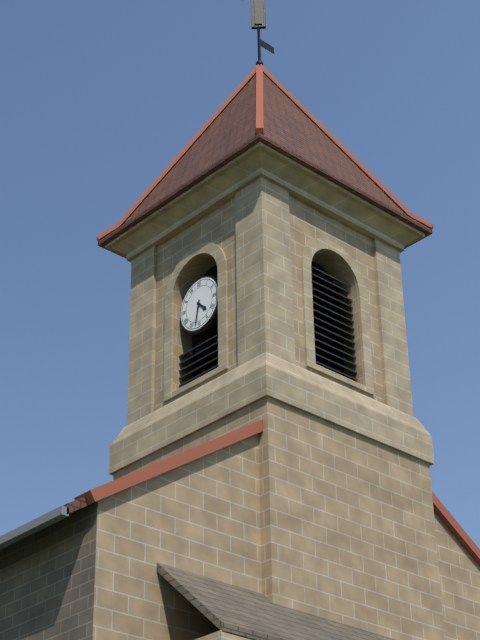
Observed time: **4:32**
